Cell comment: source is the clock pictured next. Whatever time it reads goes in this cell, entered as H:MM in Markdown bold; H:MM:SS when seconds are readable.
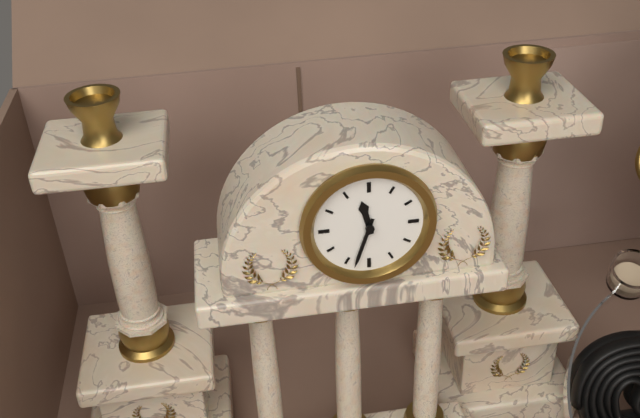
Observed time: **11:33**
